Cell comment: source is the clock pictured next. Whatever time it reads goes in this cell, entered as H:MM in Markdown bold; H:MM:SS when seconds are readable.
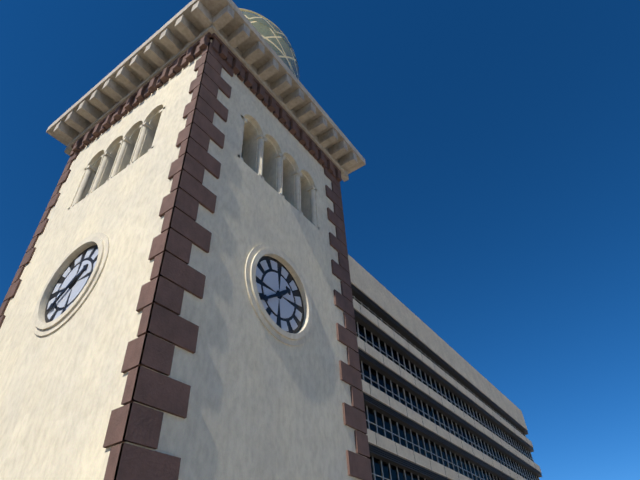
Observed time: **1:39**
